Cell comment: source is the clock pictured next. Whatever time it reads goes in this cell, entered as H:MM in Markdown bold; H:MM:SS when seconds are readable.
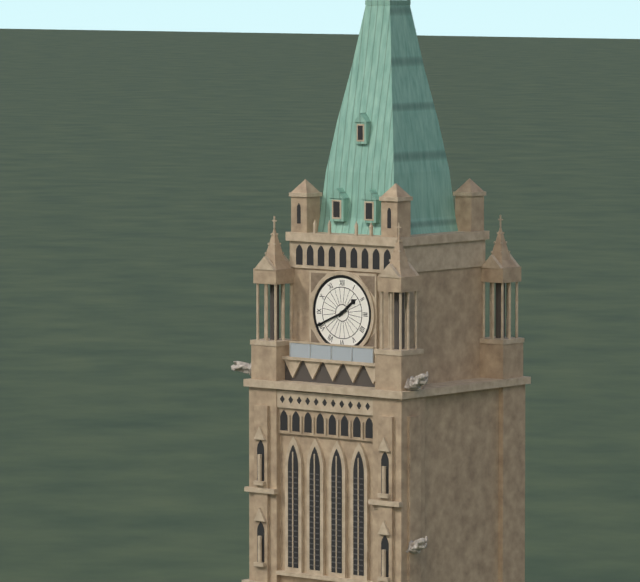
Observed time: **1:41**
